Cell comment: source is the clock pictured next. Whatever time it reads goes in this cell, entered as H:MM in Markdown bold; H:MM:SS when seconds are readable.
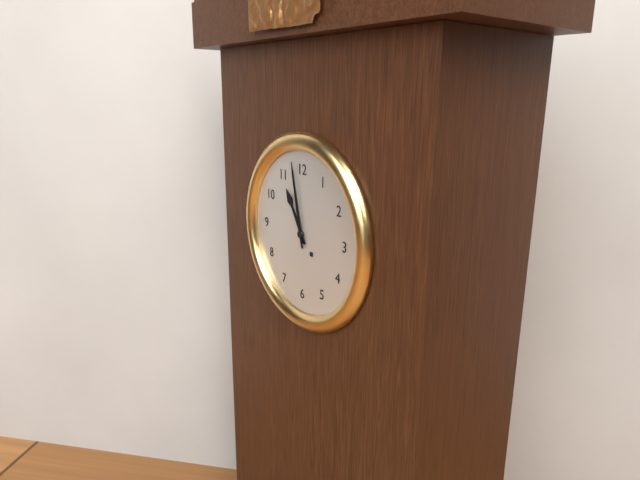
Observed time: **10:58**
